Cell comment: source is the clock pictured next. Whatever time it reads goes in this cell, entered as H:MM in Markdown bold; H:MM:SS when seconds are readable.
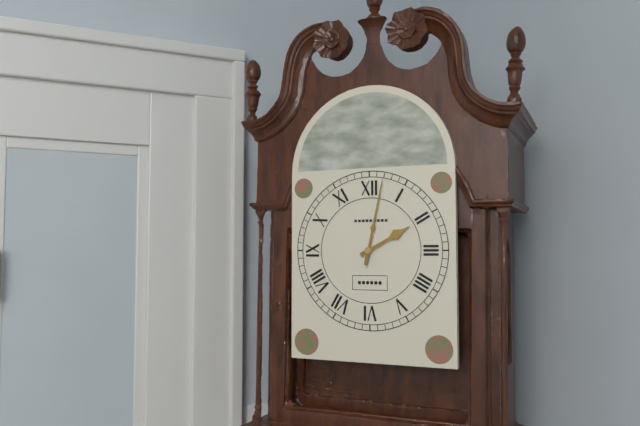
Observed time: **2:02**
